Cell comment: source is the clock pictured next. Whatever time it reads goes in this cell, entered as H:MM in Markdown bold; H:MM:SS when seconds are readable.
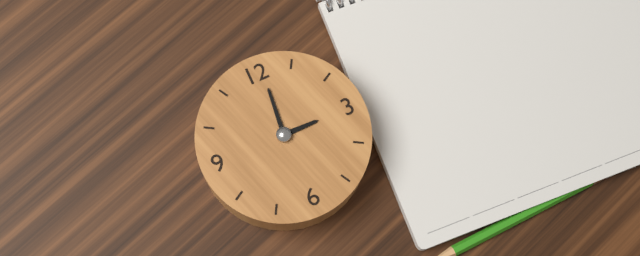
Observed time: **3:01**
